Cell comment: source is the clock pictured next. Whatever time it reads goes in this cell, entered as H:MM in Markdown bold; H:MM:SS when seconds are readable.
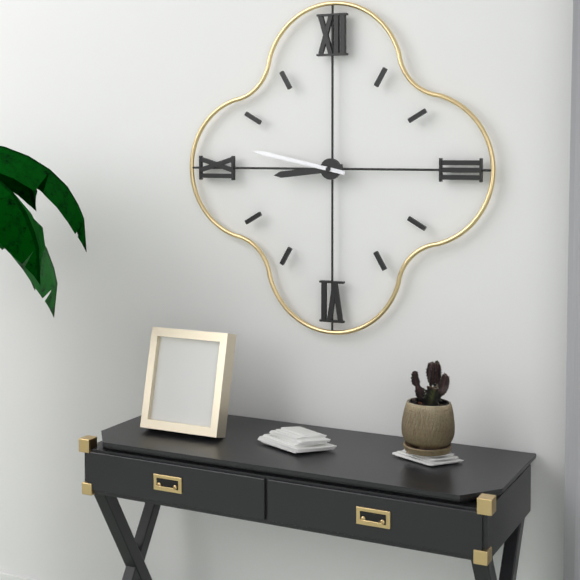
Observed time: **8:47**
